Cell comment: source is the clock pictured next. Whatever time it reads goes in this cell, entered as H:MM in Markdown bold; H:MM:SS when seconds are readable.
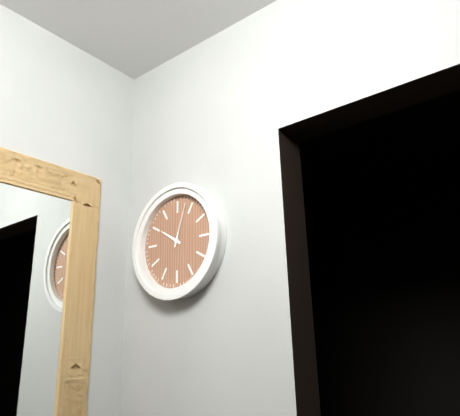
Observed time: **10:03**
